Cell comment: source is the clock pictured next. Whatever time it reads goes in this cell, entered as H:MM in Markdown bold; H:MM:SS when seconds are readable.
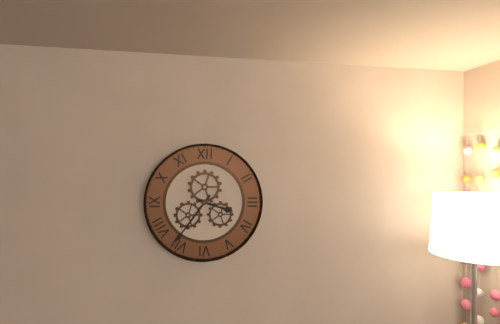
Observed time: **3:36**
